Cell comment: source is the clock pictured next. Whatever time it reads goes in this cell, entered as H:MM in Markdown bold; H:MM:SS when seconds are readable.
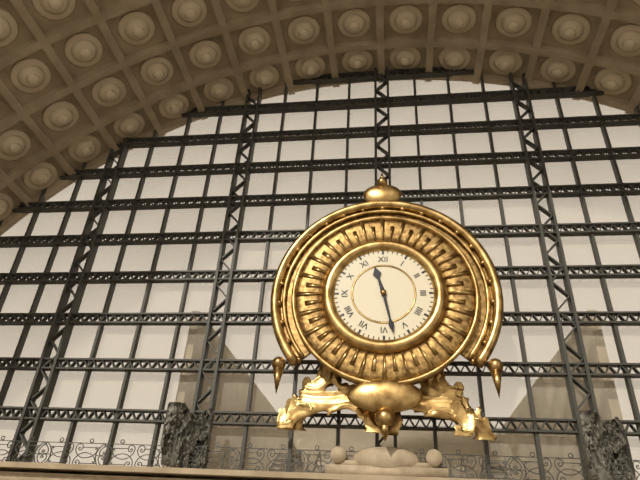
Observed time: **11:28**
